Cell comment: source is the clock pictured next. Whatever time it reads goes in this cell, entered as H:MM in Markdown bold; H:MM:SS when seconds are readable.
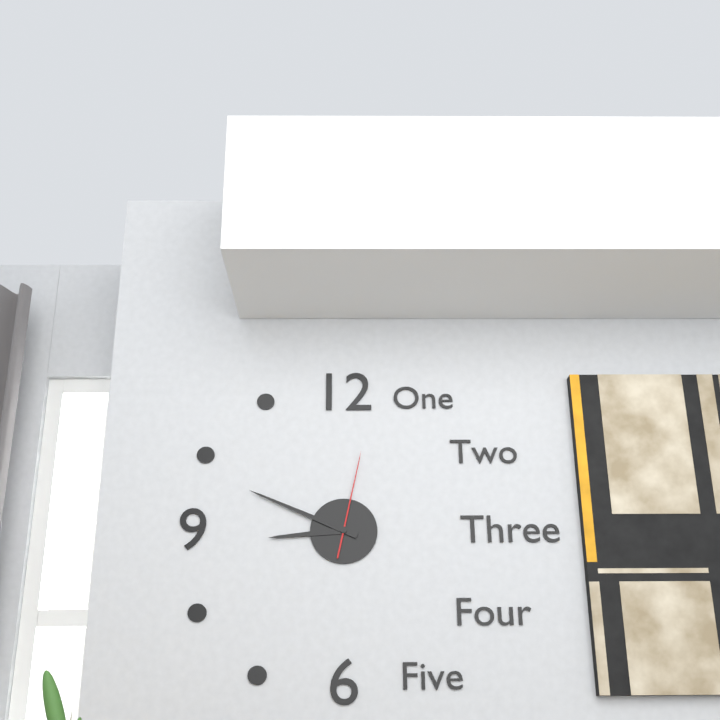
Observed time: **8:49:02**
